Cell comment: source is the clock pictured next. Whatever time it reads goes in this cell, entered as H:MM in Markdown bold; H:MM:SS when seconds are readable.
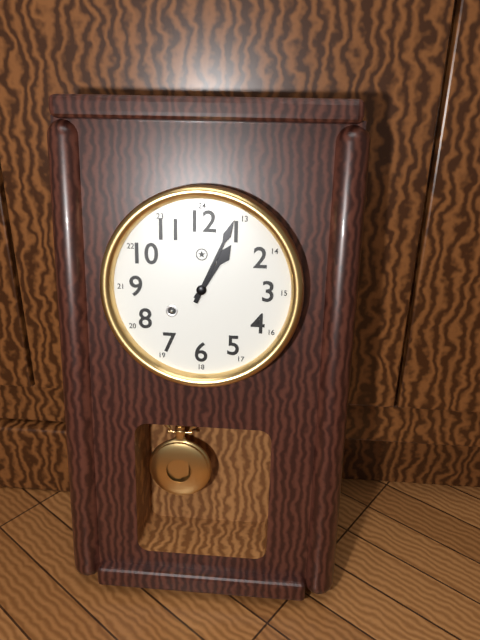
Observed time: **1:04**
